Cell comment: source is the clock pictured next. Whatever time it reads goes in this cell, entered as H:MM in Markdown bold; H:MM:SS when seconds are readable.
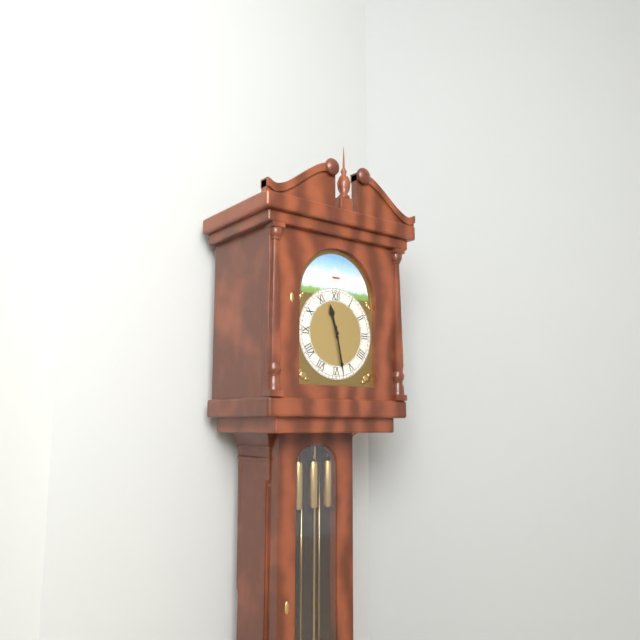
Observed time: **11:28**
